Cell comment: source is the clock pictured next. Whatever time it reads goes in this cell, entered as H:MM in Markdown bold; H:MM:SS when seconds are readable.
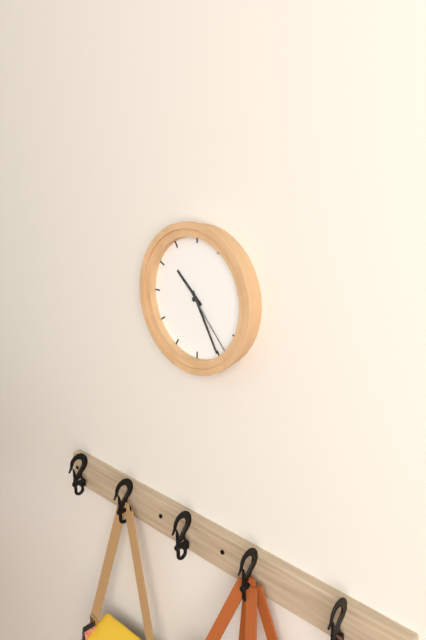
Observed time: **10:25:23**
